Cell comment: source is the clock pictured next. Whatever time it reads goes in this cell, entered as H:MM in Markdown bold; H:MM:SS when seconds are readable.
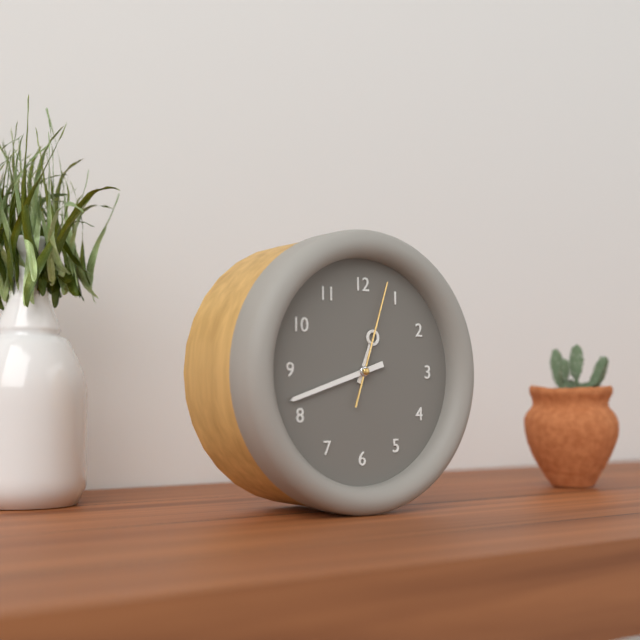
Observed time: **12:42:03**
